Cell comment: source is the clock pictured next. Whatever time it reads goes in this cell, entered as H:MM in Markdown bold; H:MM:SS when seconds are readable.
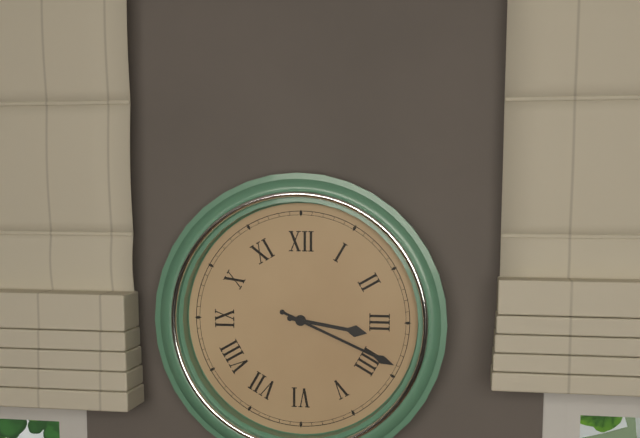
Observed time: **3:19**
